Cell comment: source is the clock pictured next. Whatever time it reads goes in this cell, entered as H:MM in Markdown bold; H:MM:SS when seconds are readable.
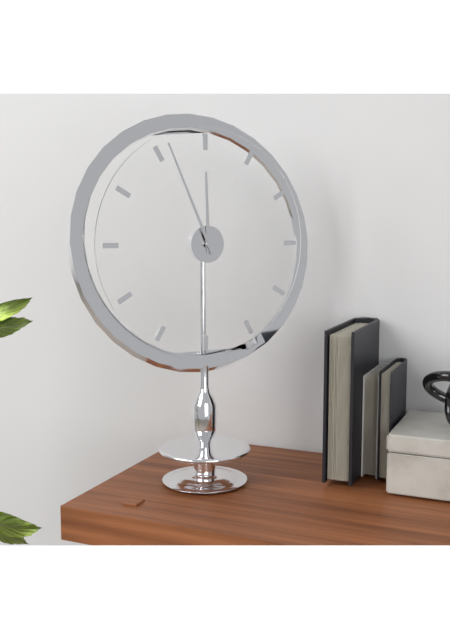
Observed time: **11:56**
